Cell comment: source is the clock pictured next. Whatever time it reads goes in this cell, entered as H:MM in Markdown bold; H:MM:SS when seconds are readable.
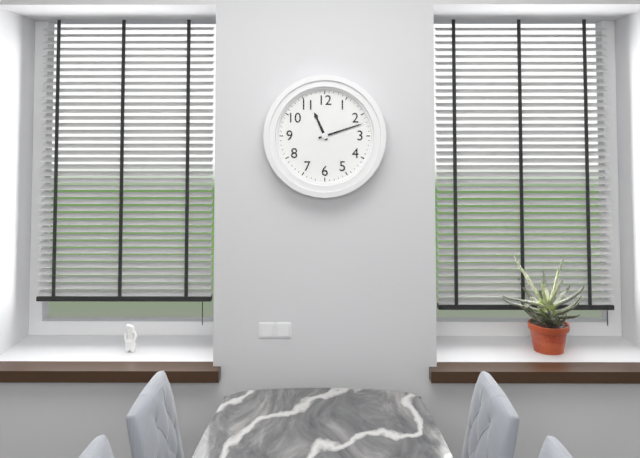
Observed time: **11:12**
